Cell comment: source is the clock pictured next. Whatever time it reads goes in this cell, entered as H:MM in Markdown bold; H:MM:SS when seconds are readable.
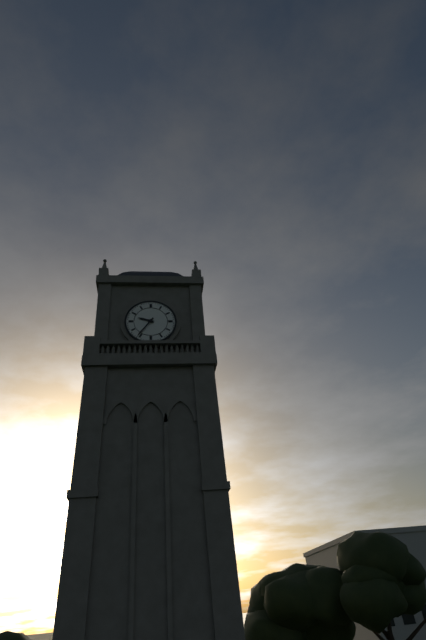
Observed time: **9:36**
